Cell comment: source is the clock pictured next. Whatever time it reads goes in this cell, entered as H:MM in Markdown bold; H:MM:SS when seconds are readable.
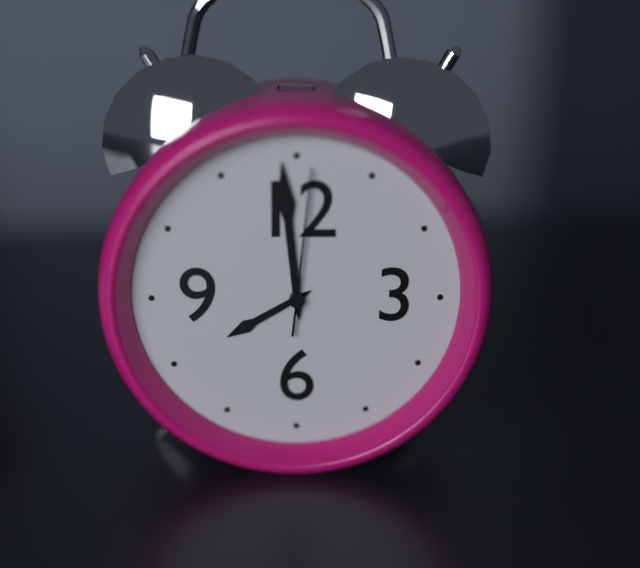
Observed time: **7:59:01**
